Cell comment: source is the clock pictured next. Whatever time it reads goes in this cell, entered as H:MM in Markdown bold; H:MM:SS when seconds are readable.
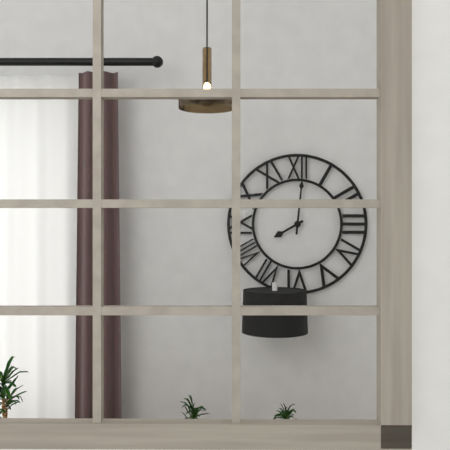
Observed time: **8:01**
